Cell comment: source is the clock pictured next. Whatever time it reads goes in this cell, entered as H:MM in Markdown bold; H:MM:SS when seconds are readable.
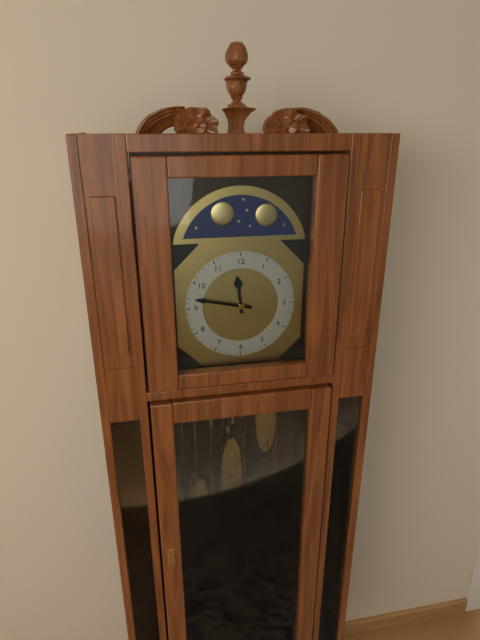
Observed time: **11:47**
